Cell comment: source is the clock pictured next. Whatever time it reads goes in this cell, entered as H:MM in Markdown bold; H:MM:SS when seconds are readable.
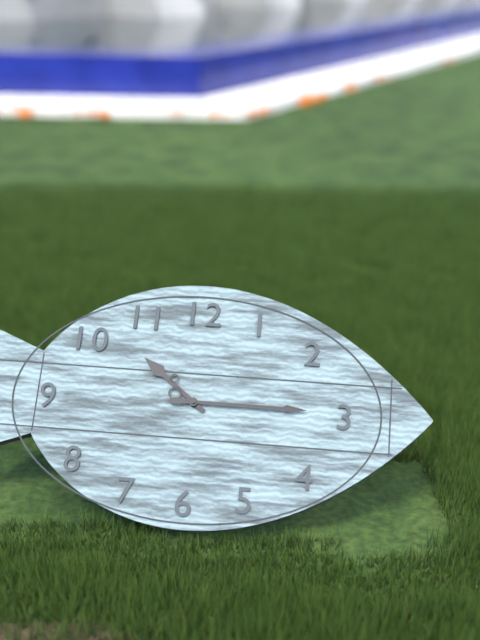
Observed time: **10:15**
